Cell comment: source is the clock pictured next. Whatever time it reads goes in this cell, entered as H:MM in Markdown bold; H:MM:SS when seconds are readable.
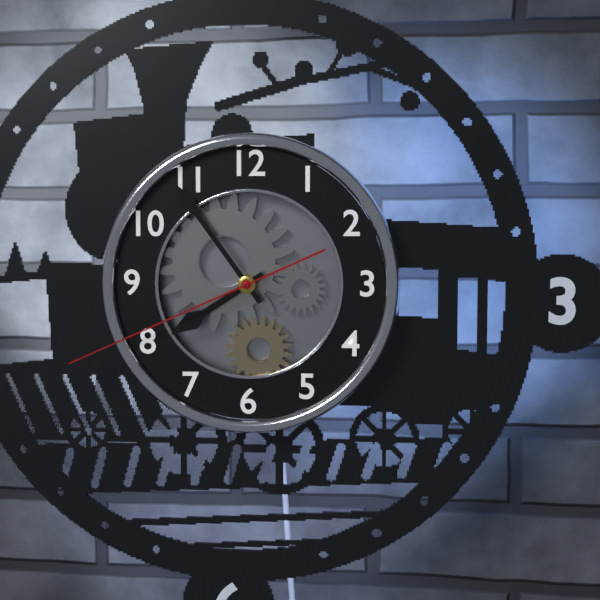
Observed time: **7:54:41**
